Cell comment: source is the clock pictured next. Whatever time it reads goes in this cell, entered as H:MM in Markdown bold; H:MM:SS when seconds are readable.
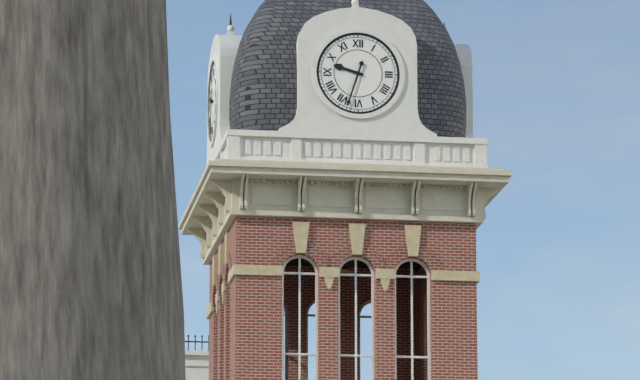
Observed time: **9:33**
